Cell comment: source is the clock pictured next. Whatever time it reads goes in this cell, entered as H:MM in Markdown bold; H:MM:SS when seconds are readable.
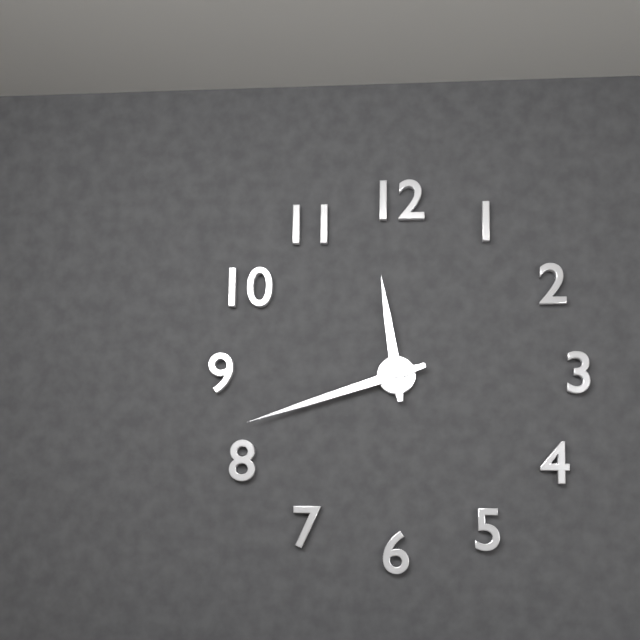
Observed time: **11:42**
